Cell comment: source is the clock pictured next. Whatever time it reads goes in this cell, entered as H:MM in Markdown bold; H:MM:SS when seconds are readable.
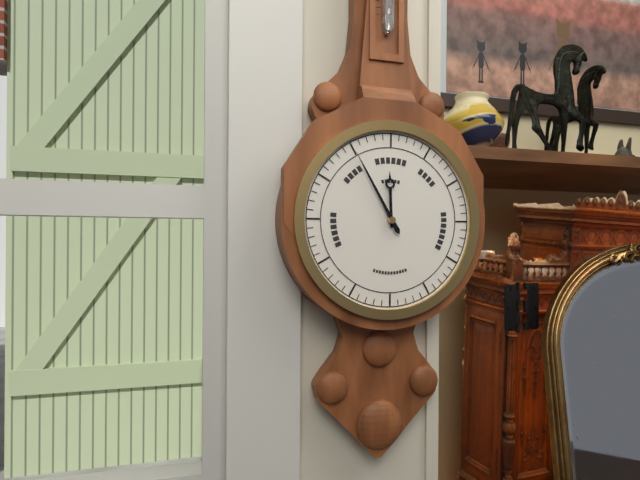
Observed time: **11:55**
